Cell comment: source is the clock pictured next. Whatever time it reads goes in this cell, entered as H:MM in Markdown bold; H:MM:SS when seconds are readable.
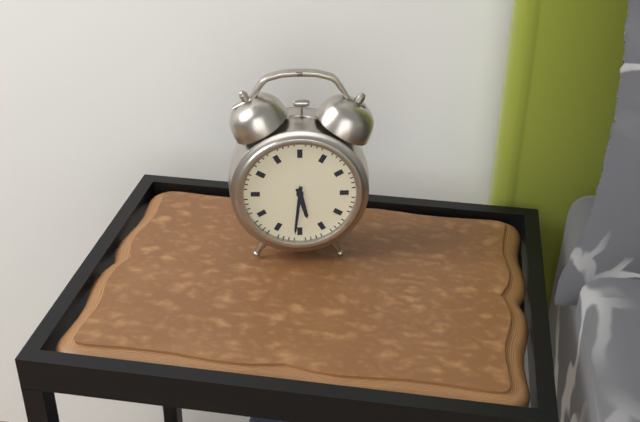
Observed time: **5:31**
